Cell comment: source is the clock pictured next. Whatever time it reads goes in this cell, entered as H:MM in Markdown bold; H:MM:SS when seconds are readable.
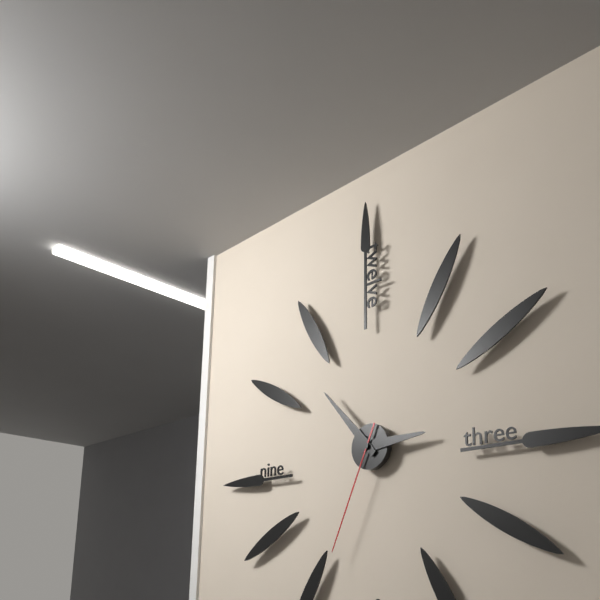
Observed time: **2:53:34**
